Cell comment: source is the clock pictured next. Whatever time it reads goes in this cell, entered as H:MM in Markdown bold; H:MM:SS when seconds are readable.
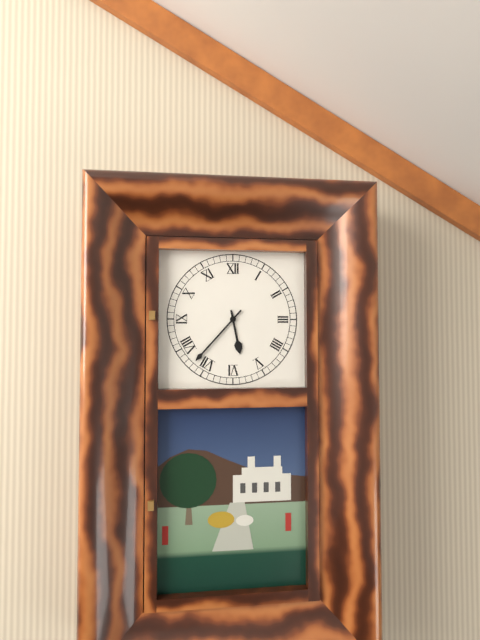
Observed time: **5:37**
